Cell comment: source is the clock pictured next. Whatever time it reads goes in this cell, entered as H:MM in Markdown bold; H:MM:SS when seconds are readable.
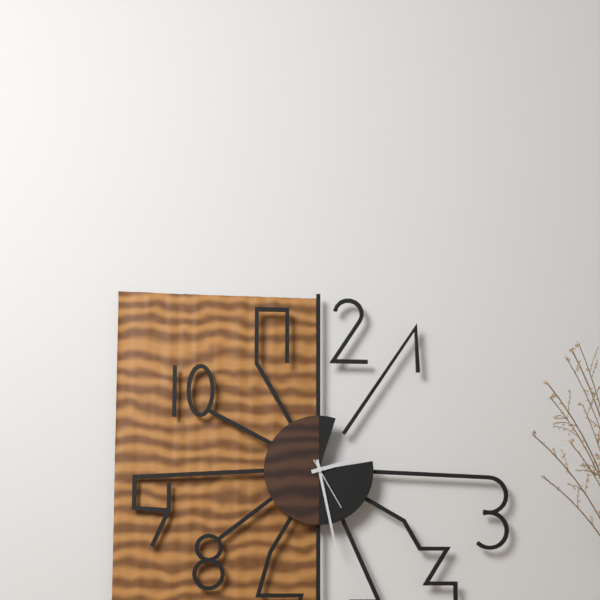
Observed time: **2:28:25**
